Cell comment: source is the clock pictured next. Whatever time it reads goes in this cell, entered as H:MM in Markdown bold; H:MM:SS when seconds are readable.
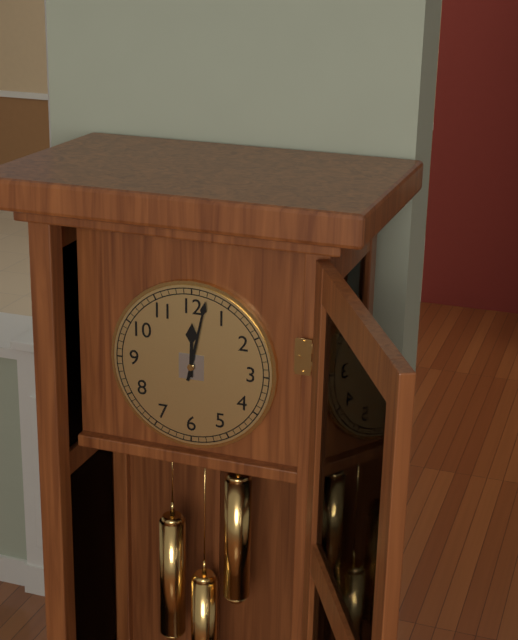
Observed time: **12:02**
